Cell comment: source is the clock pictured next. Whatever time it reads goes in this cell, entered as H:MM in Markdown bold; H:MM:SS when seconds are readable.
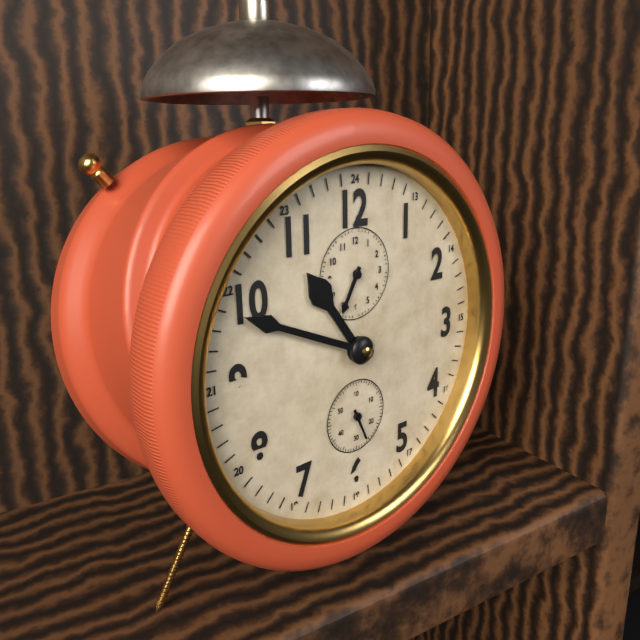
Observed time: **10:49**
